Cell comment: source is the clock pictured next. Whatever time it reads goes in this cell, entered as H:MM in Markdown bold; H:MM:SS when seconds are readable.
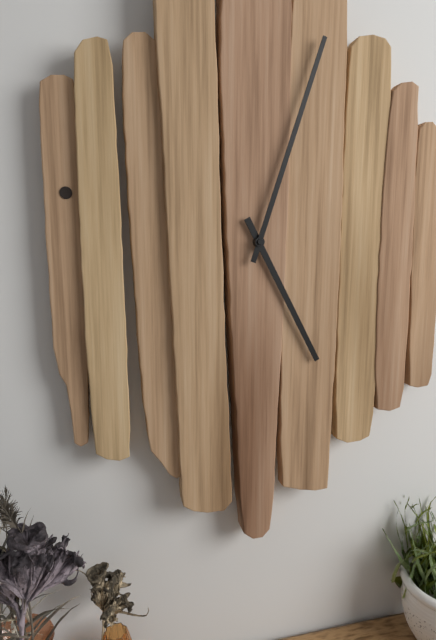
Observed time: **5:03**
